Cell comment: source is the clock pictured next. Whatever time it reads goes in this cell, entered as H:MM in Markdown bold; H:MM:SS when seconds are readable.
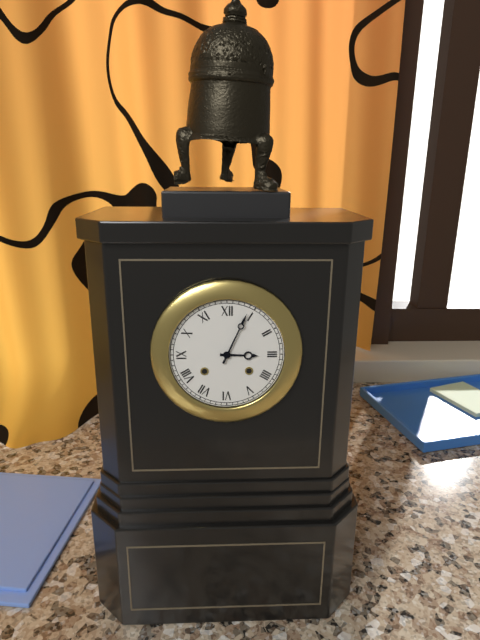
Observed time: **3:04**
